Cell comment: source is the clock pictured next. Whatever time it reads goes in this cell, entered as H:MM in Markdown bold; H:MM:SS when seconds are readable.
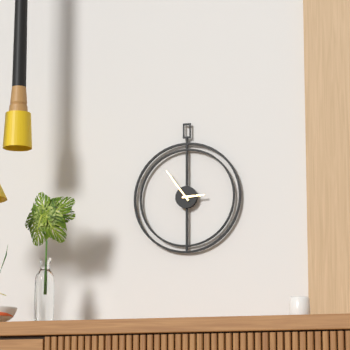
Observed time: **2:54**
